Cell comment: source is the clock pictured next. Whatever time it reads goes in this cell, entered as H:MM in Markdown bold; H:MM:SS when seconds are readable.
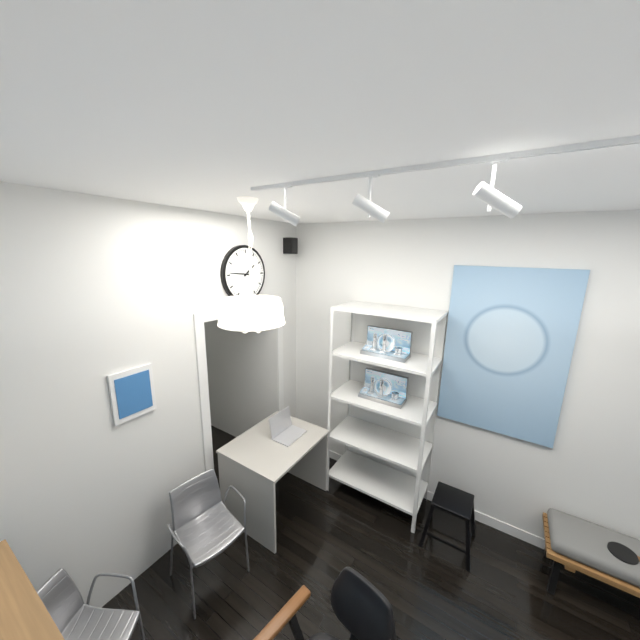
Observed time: **1:46**
